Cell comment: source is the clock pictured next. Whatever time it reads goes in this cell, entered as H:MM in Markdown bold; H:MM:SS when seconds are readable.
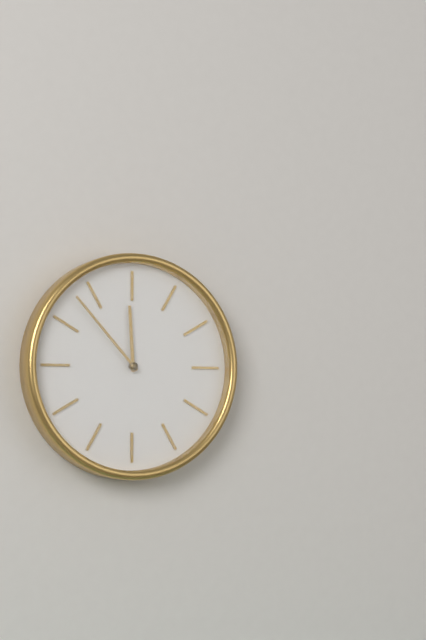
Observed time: **11:53**
